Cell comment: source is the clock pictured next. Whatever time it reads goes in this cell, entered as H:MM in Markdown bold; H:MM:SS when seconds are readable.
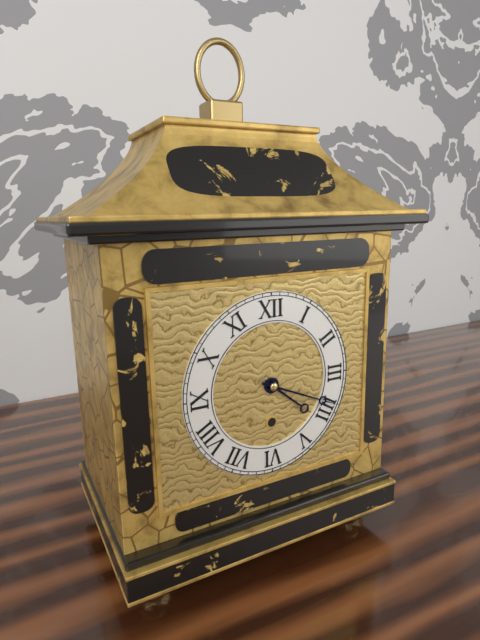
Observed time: **4:19**
